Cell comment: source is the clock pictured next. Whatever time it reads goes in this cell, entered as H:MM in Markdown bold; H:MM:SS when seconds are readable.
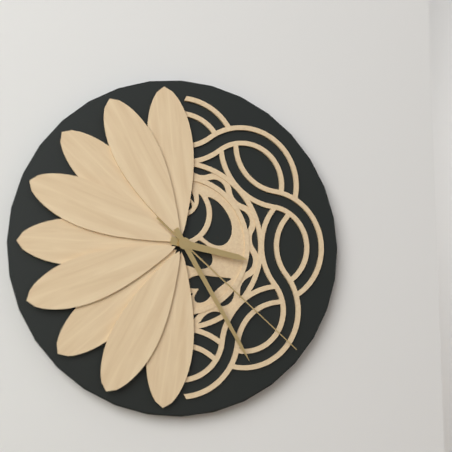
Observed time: **3:25:22**
